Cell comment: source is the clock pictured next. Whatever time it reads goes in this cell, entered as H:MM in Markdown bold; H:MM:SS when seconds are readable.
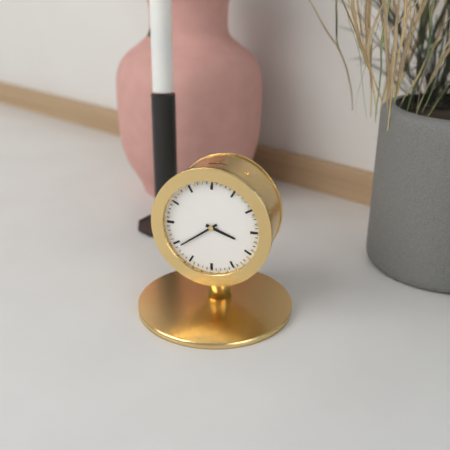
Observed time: **3:39**
